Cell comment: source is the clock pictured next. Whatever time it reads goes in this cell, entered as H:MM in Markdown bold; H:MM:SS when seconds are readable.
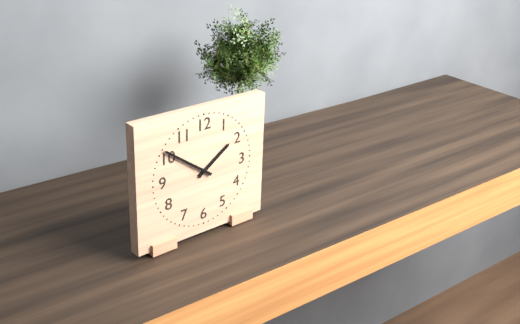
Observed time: **1:51**
